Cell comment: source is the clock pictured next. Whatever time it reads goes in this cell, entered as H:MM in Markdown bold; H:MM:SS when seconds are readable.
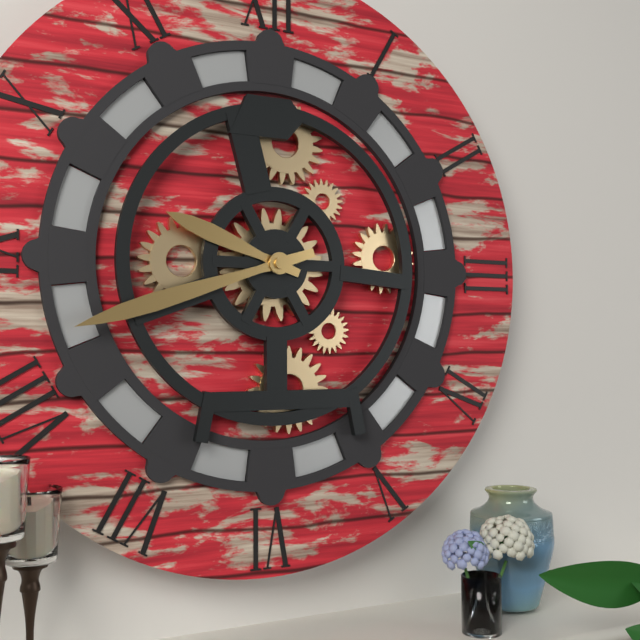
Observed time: **9:42**
